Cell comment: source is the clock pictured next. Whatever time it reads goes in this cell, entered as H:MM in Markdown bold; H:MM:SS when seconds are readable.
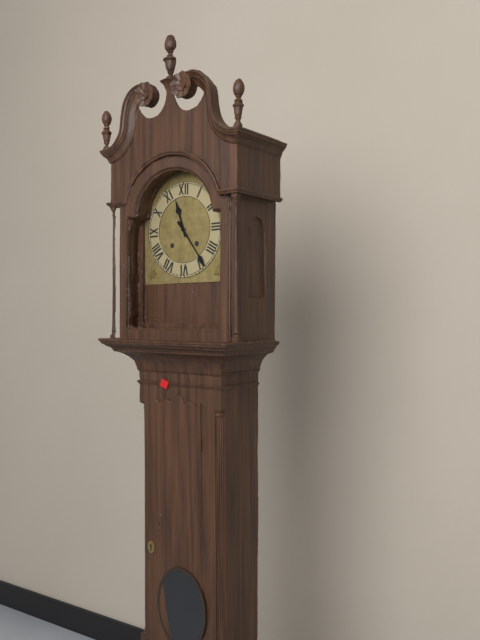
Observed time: **11:24**
